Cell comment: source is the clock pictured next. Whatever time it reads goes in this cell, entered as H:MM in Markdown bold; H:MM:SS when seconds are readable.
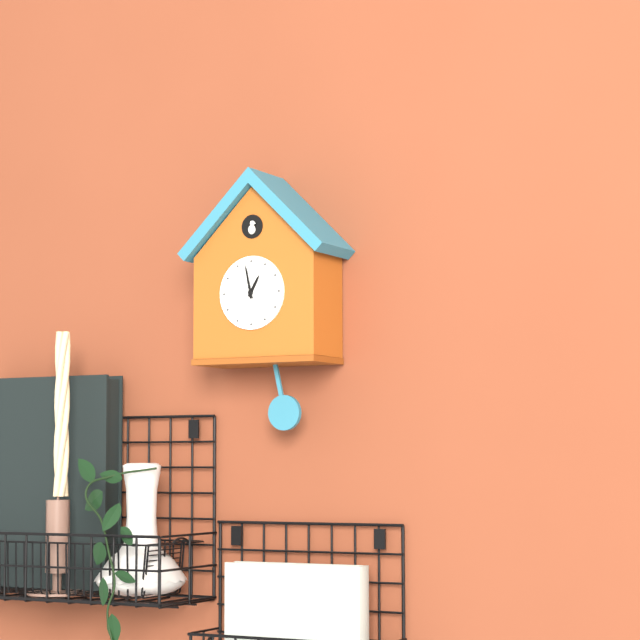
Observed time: **12:58**
